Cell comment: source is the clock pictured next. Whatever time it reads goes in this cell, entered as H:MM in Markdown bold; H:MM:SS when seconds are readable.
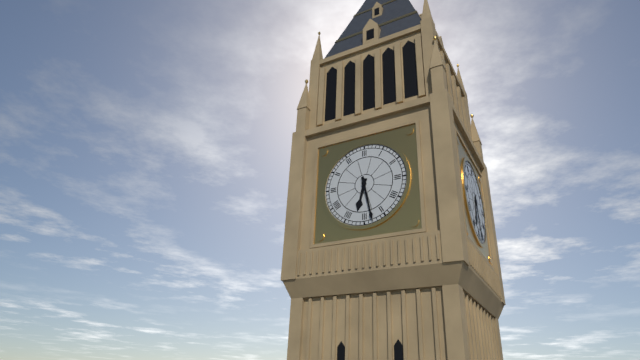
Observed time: **6:28**
